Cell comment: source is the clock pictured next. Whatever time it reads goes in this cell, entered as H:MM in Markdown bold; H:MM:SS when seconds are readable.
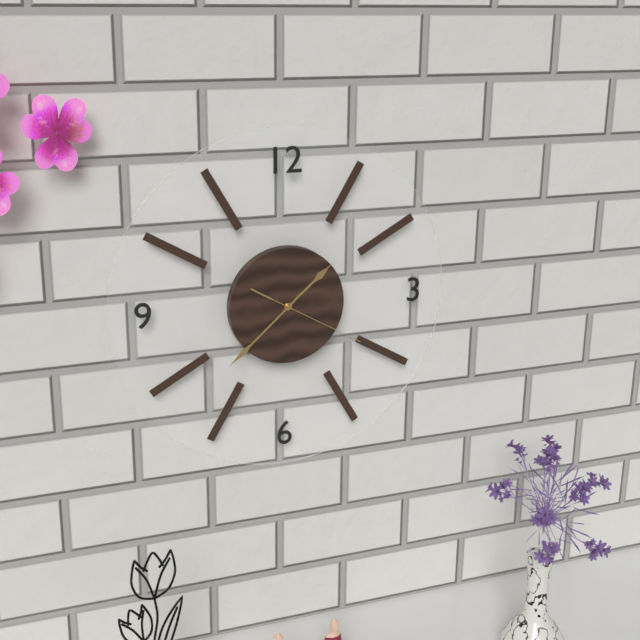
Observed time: **1:38:20**
